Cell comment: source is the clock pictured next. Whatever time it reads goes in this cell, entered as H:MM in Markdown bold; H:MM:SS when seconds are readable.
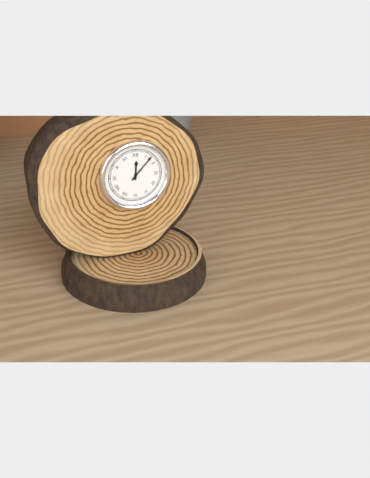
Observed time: **12:07**
